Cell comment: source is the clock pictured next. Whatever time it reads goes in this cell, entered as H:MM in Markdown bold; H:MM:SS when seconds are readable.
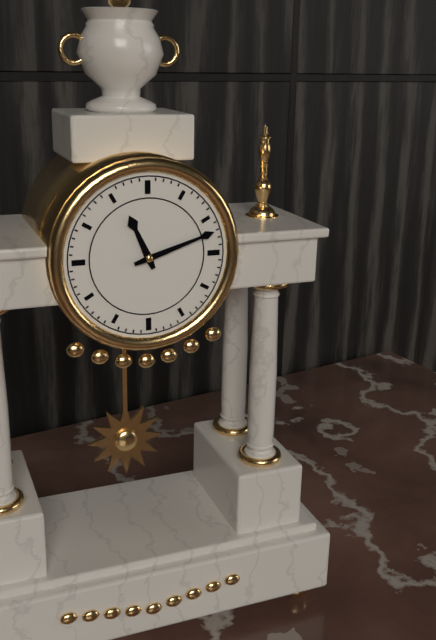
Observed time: **11:12**
